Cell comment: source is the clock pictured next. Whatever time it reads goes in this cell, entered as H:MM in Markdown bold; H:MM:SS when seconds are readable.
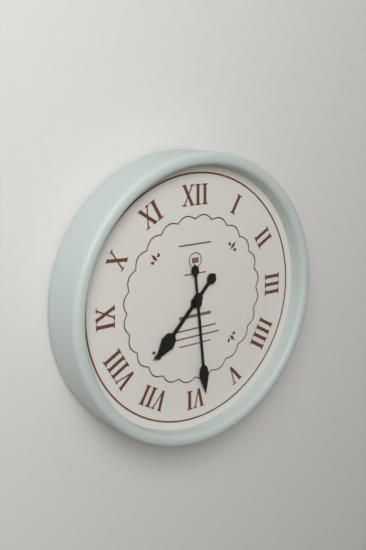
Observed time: **7:29**
